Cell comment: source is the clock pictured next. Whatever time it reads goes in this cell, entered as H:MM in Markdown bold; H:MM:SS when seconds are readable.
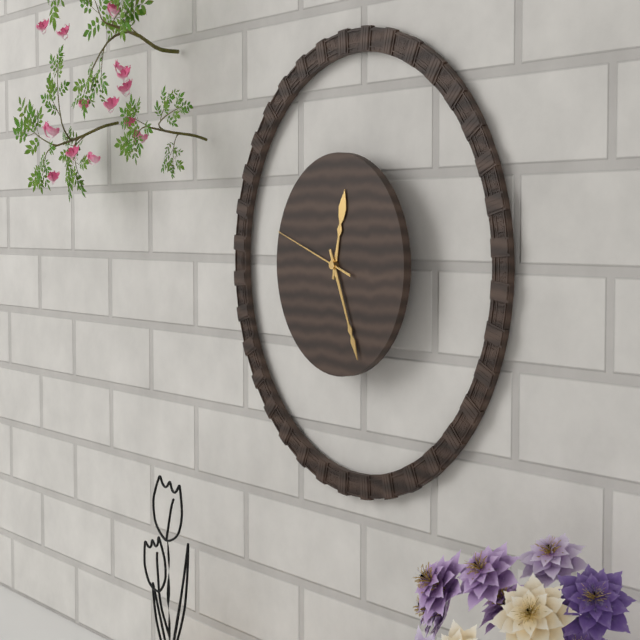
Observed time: **12:26:48**
